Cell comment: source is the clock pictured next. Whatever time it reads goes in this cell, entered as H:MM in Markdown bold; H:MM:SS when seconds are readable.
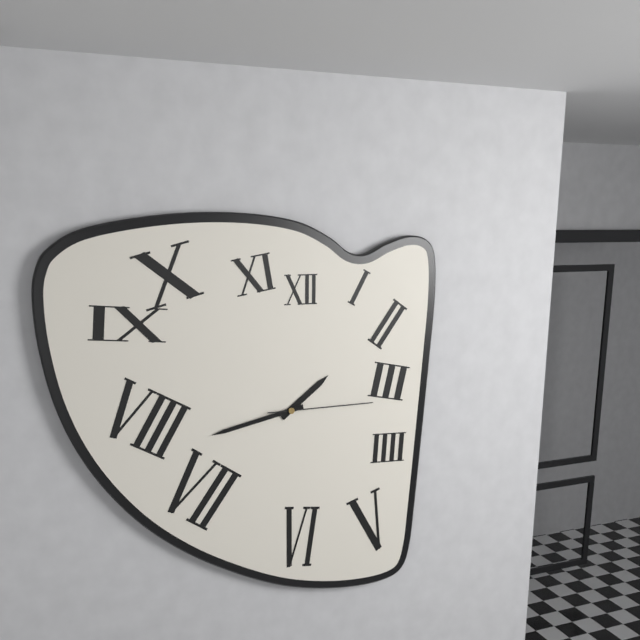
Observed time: **1:43:15**
